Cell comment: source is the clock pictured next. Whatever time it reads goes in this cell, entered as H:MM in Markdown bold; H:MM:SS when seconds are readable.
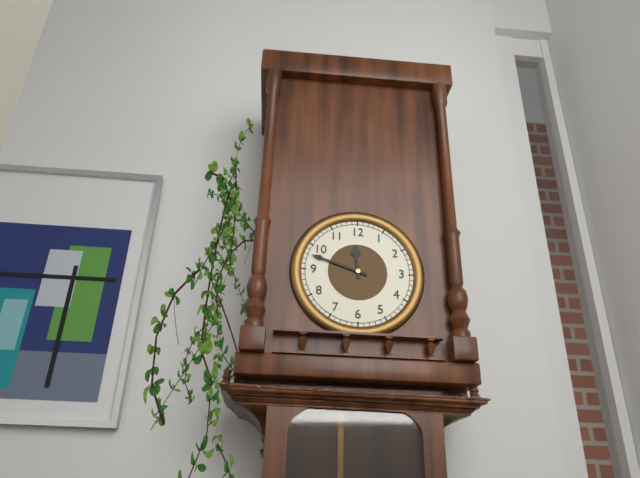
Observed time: **11:48**
